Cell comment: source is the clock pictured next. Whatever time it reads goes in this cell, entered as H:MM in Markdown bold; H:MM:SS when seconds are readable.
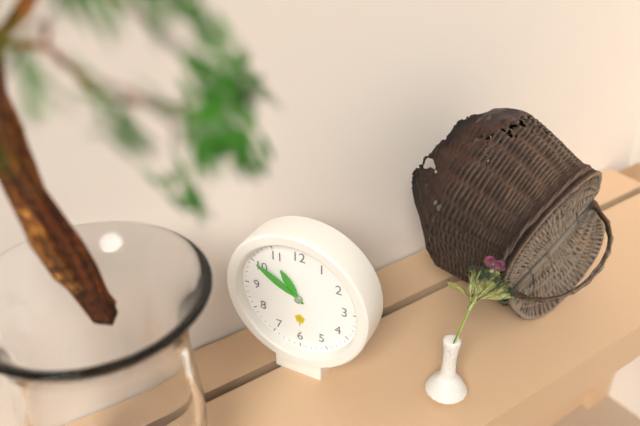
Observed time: **10:50**
